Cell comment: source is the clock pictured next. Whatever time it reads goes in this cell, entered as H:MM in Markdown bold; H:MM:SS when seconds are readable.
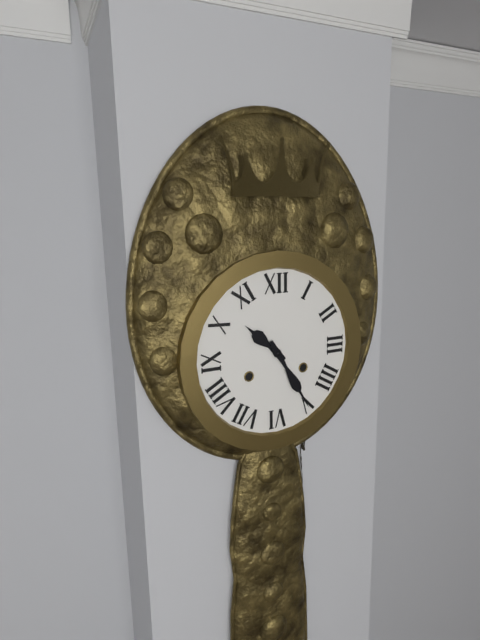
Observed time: **10:25**
